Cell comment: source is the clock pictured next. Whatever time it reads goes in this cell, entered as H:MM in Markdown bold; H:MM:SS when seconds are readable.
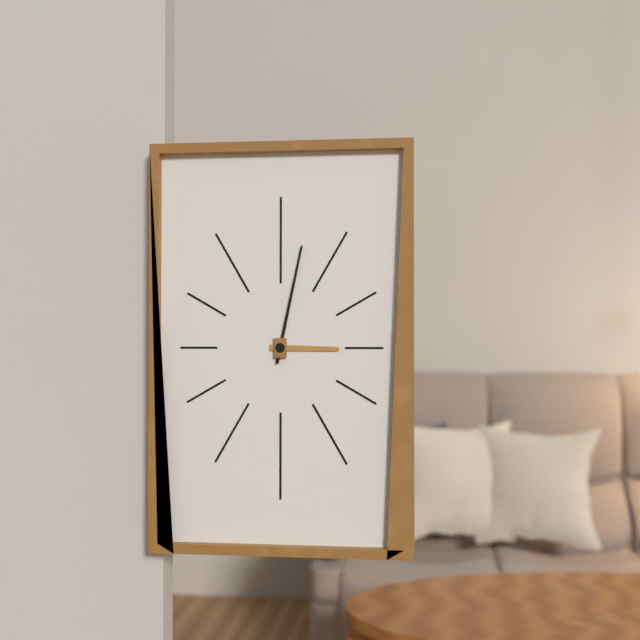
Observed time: **3:02**
